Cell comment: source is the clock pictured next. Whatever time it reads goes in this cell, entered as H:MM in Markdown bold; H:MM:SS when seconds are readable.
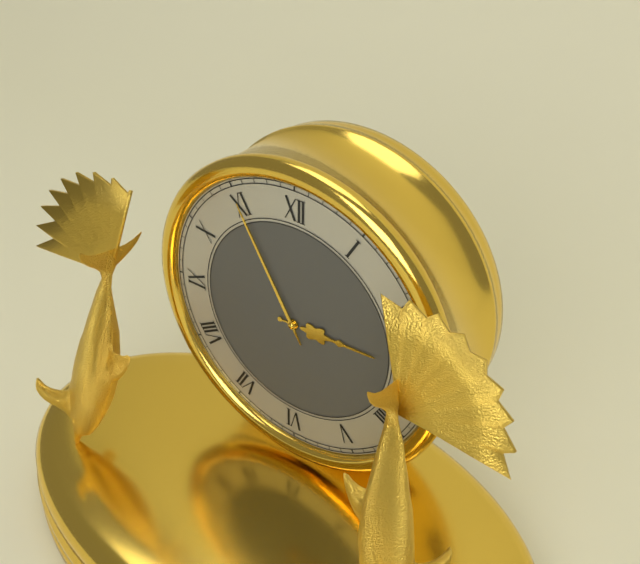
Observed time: **2:55**
